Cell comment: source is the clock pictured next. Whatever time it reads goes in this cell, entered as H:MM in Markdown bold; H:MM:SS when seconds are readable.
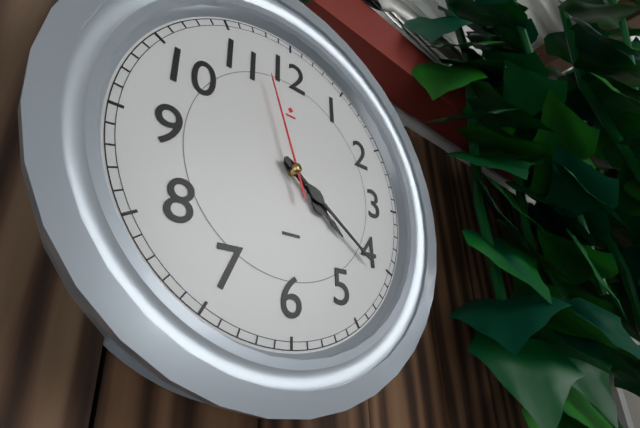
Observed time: **4:21:57**
